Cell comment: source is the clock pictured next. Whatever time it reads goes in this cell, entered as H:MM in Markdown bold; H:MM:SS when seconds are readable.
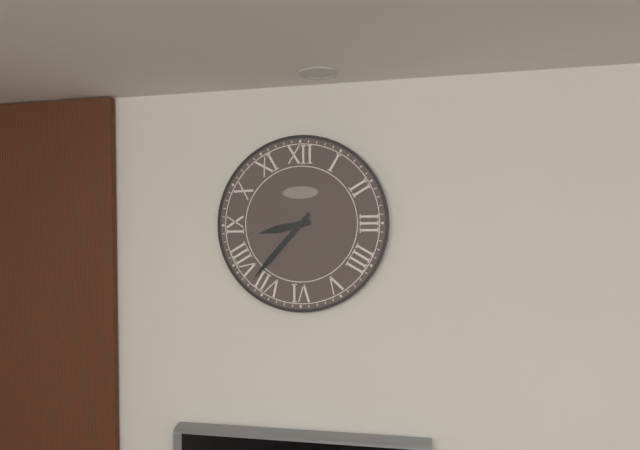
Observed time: **8:37**
